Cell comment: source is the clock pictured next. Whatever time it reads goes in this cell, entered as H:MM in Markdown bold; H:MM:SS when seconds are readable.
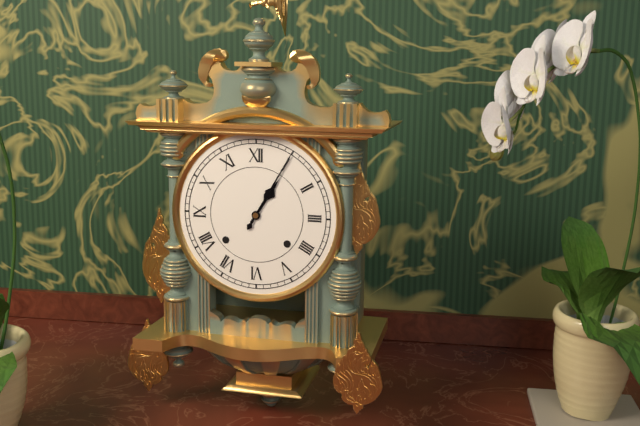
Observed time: **1:05**
